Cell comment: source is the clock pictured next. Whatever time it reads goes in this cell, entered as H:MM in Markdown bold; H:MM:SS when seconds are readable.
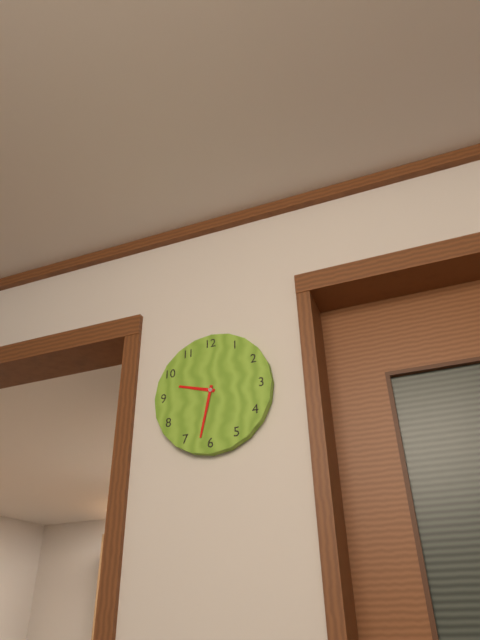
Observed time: **9:32**
